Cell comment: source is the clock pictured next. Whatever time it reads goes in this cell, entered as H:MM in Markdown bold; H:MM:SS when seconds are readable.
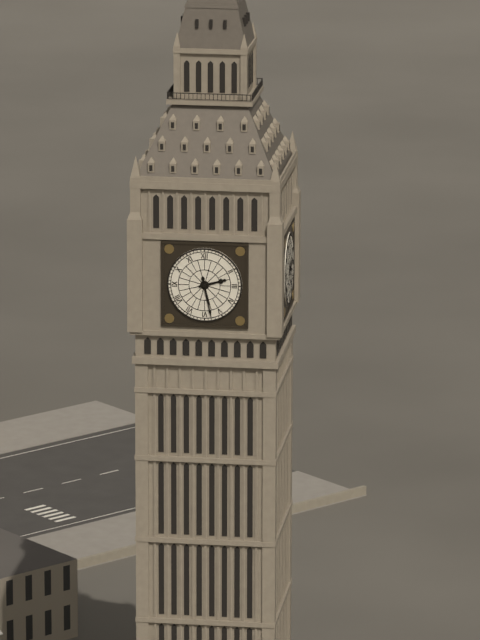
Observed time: **2:28**
